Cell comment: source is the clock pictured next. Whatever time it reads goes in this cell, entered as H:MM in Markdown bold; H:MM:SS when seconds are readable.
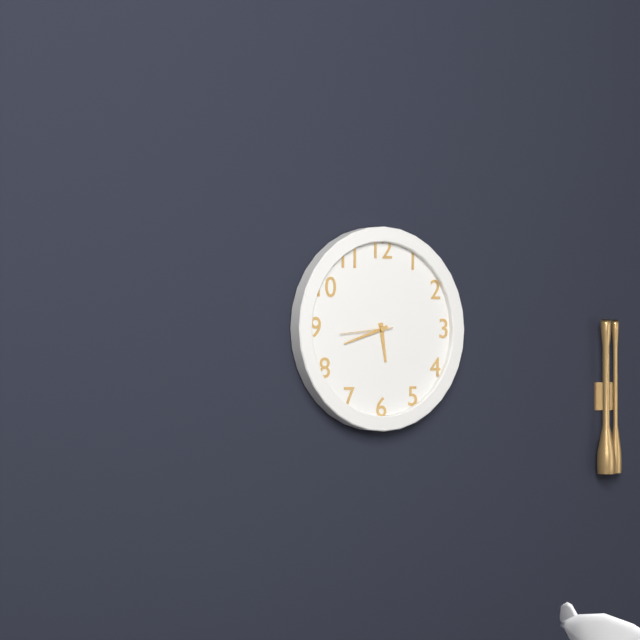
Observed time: **5:42:44**
